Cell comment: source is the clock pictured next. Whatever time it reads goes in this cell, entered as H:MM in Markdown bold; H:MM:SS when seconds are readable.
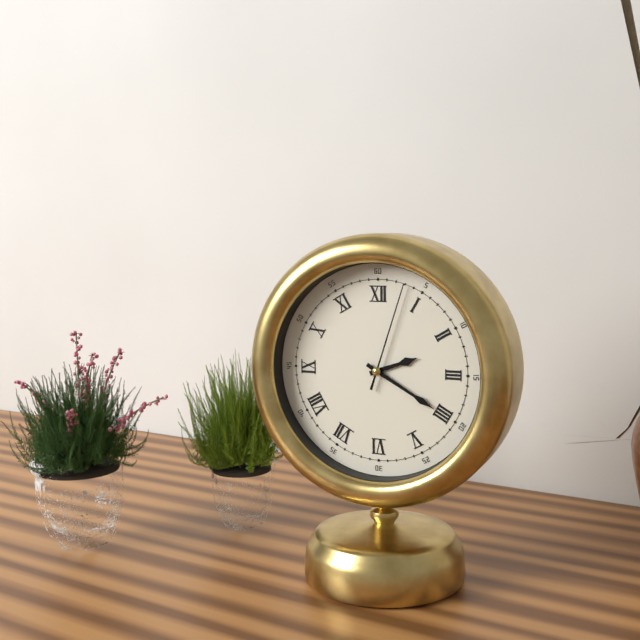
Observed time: **2:20:03**
